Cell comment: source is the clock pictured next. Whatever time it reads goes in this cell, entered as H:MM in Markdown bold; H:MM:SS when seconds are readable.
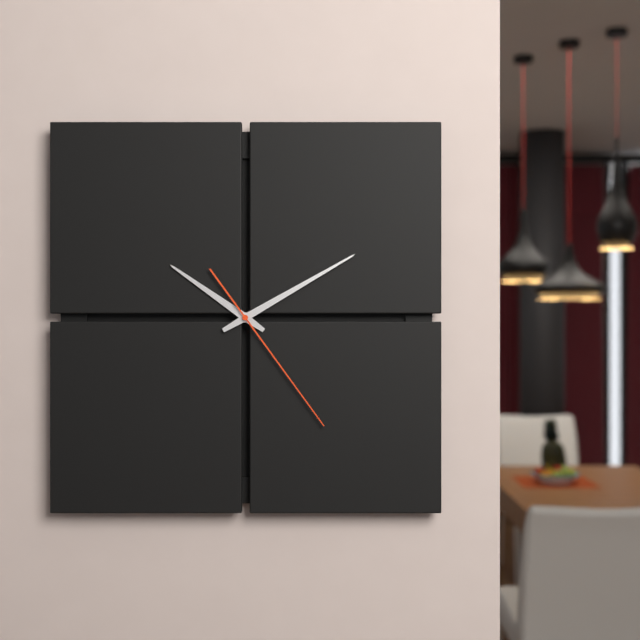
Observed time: **10:10:24**
